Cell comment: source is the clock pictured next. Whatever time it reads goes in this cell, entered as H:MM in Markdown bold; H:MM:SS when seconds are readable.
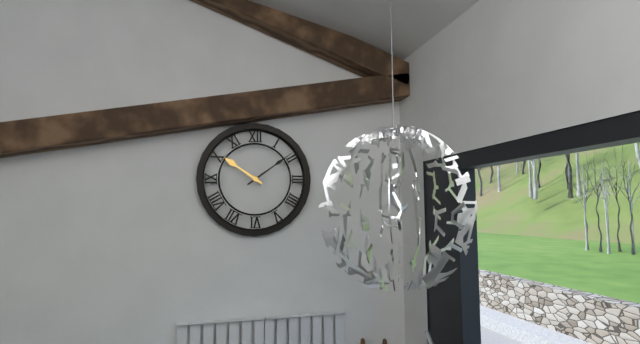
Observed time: **10:09**
